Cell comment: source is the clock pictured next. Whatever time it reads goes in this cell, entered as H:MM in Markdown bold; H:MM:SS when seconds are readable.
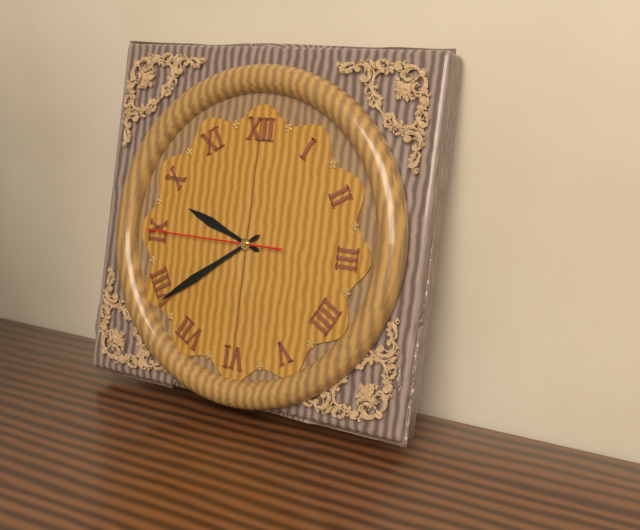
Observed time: **9:39:45**
